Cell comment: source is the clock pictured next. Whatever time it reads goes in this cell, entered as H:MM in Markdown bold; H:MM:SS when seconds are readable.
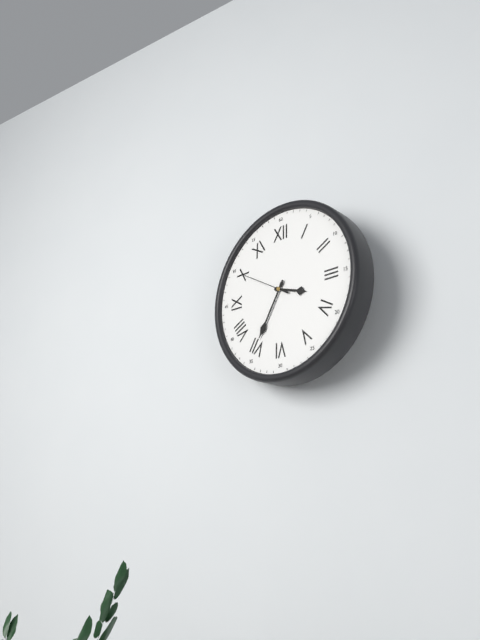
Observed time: **3:35:50**
